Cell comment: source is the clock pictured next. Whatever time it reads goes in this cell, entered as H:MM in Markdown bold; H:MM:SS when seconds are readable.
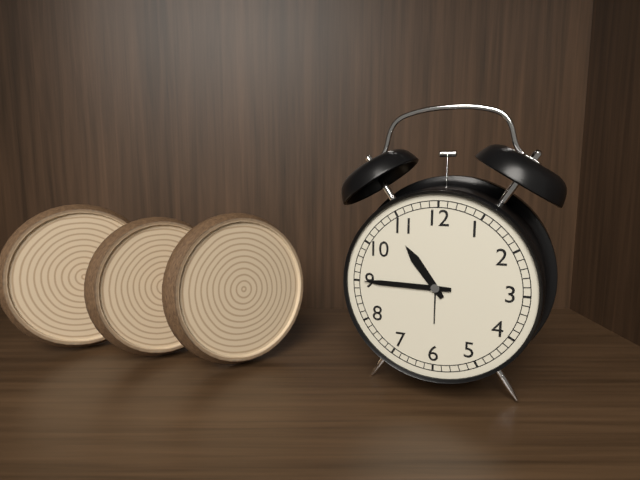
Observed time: **10:45**
